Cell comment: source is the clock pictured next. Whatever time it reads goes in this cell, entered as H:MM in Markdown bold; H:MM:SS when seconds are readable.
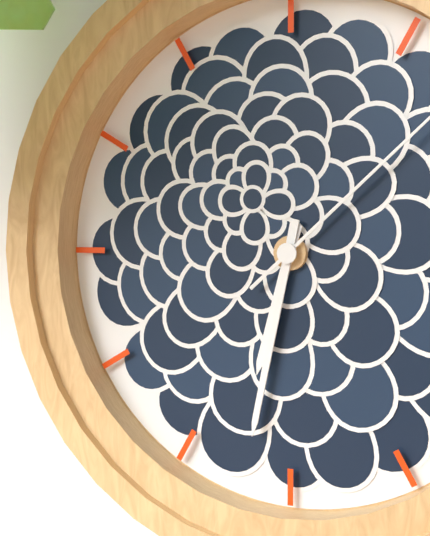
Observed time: **6:32**
